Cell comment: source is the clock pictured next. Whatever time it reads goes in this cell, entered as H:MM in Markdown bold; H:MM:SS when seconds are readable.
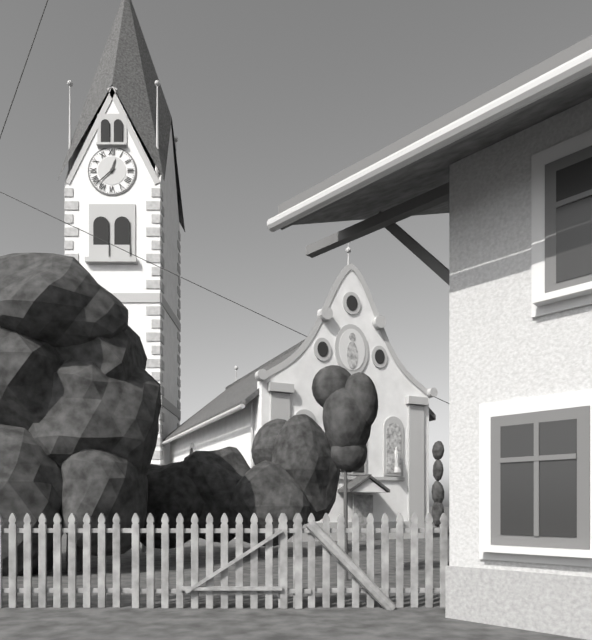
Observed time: **12:38**
